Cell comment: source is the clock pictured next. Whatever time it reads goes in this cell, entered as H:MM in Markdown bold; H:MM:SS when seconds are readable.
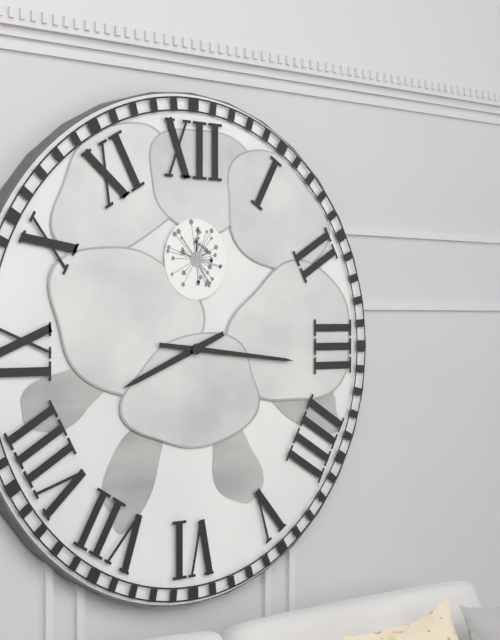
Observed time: **8:16**
